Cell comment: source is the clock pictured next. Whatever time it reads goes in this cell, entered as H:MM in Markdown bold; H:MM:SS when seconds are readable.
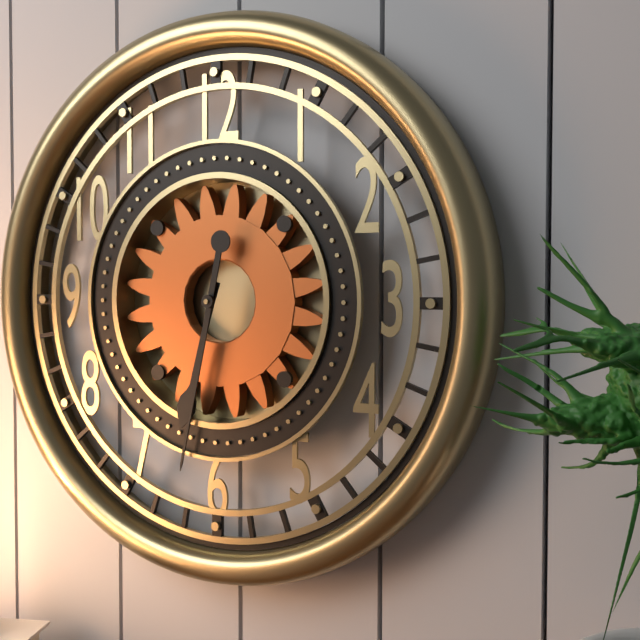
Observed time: **6:32**
